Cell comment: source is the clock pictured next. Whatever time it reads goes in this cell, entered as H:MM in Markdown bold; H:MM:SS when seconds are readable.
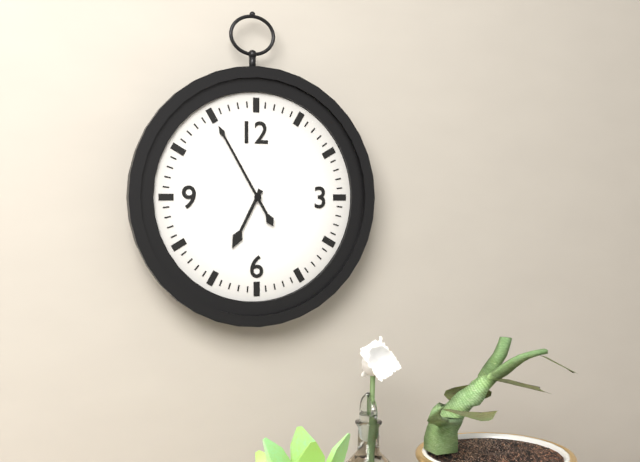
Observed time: **6:55**
